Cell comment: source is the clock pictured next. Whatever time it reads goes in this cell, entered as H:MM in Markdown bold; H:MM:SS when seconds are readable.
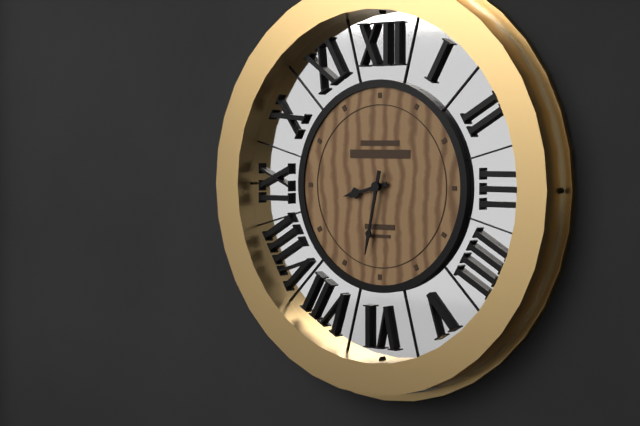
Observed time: **8:32**
